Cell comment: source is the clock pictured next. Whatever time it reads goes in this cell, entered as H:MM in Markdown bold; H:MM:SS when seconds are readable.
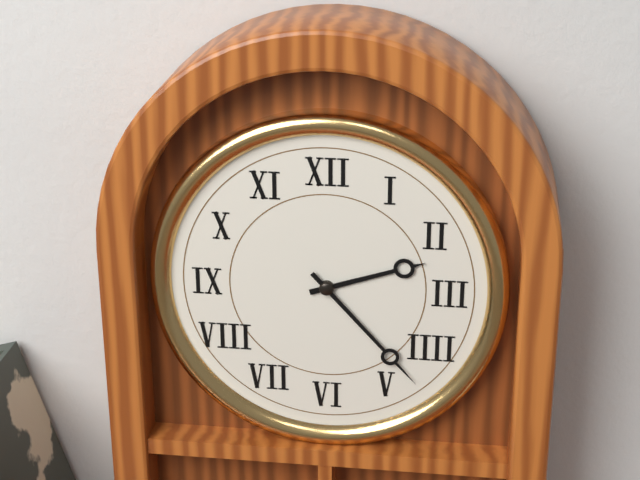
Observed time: **2:23**
